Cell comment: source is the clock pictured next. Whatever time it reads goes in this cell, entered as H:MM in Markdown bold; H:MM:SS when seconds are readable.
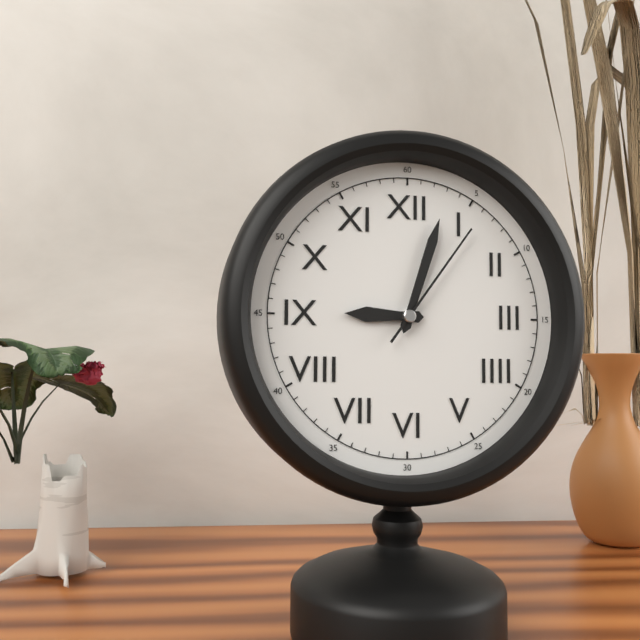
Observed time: **9:03:06**
